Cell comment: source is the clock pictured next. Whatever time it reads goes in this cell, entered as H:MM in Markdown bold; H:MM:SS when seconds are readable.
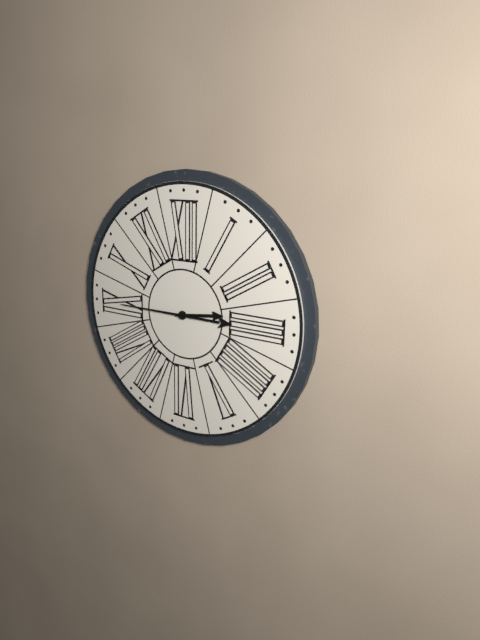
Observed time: **2:45**
